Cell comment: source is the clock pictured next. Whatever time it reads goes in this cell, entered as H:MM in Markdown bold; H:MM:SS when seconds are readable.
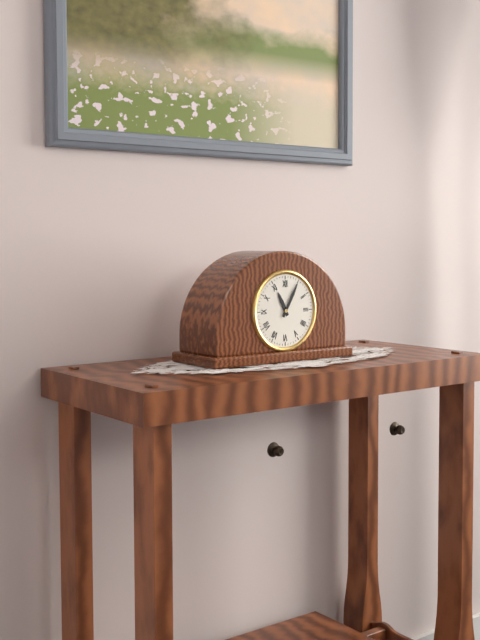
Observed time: **11:05**
